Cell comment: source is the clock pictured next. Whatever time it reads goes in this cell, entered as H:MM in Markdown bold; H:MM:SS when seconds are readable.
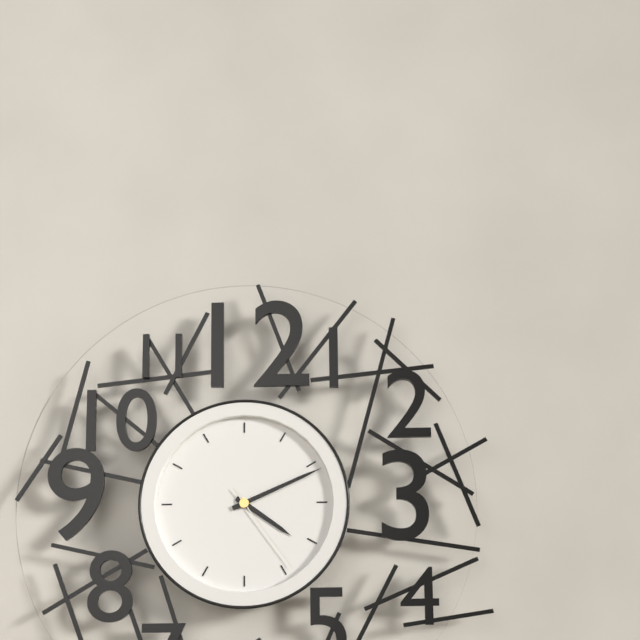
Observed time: **4:11:24**
